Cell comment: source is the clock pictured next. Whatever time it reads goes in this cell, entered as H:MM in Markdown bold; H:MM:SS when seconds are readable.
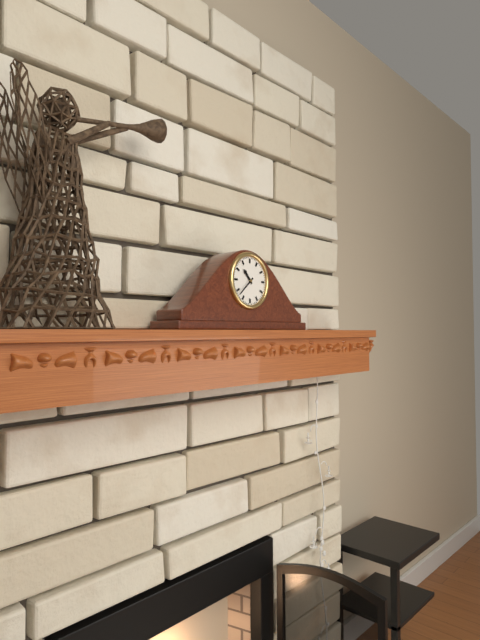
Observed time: **10:38**
